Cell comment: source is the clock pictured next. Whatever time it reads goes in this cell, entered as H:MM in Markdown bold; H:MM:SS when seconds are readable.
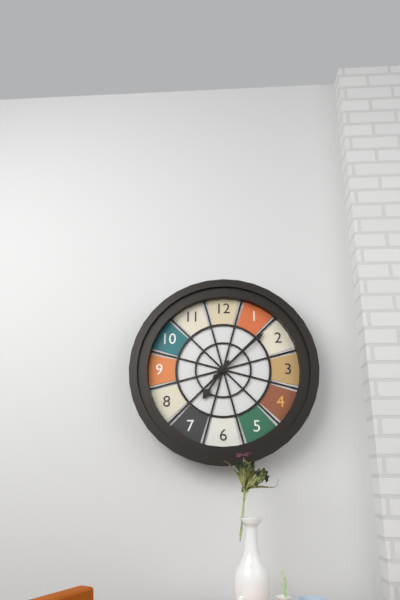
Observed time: **7:08**
